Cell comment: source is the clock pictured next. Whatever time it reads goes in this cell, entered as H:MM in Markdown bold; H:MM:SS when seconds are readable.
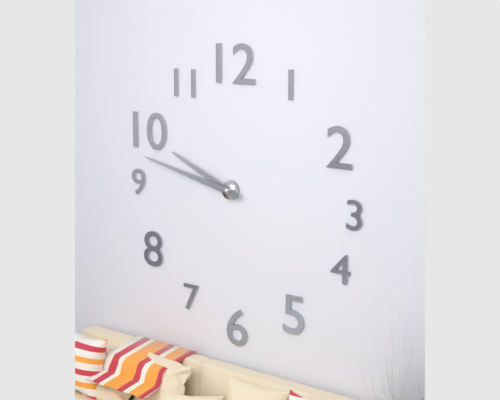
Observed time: **9:47**
